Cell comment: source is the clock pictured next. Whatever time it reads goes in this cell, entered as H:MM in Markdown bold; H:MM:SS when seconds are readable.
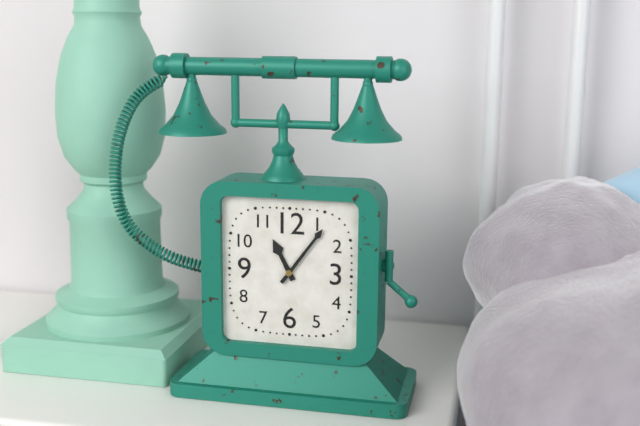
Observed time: **11:06**
